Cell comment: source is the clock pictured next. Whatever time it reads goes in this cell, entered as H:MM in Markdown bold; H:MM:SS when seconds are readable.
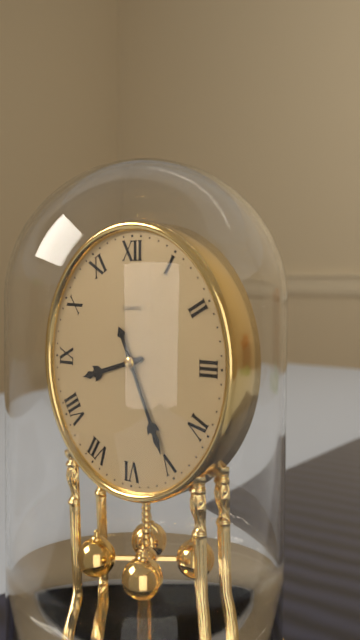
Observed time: **8:26**
